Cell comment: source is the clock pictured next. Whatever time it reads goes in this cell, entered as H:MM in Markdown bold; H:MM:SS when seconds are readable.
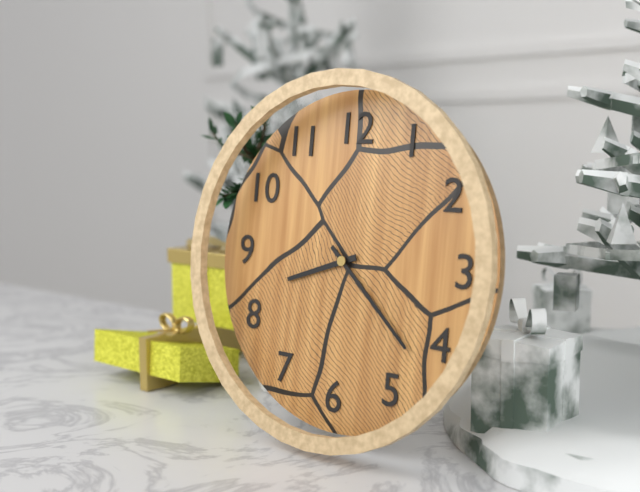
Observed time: **8:22**
